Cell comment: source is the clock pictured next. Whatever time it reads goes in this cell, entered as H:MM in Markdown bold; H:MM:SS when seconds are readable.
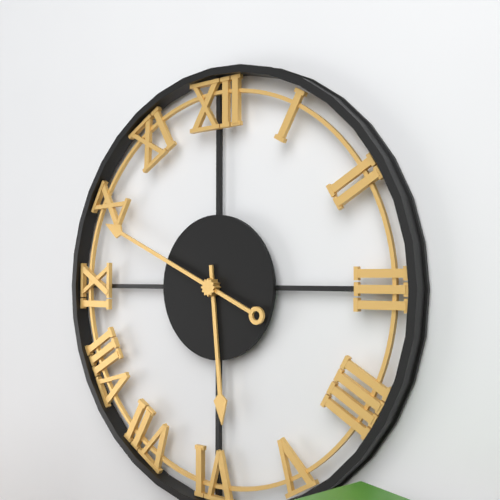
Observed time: **5:49**
